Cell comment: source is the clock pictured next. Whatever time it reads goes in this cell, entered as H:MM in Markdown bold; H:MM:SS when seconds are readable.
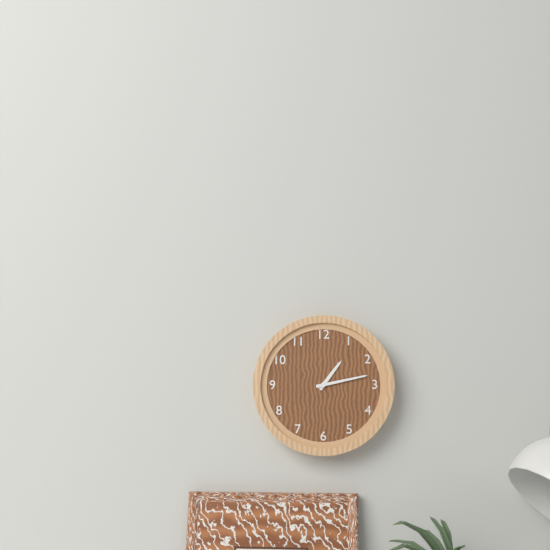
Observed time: **1:13**
